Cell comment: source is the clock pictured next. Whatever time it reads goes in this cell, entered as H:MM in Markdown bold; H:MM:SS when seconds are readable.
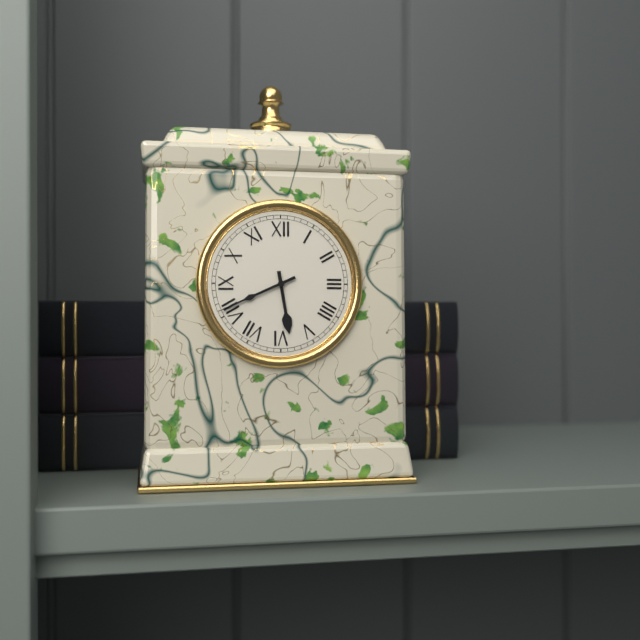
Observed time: **5:41**
